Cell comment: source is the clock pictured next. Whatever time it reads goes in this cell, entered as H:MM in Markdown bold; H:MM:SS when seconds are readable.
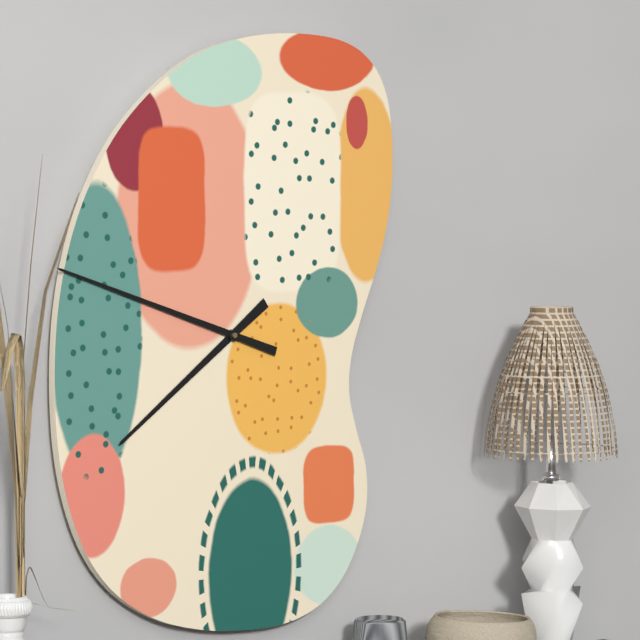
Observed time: **7:48**
